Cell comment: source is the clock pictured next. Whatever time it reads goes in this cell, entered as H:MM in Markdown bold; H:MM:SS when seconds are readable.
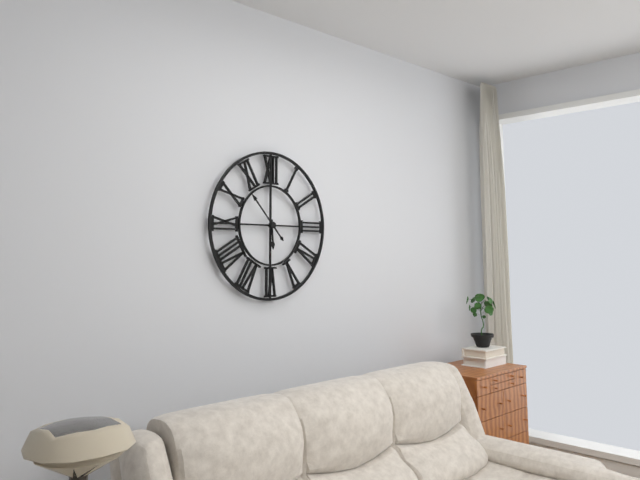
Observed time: **5:53**
